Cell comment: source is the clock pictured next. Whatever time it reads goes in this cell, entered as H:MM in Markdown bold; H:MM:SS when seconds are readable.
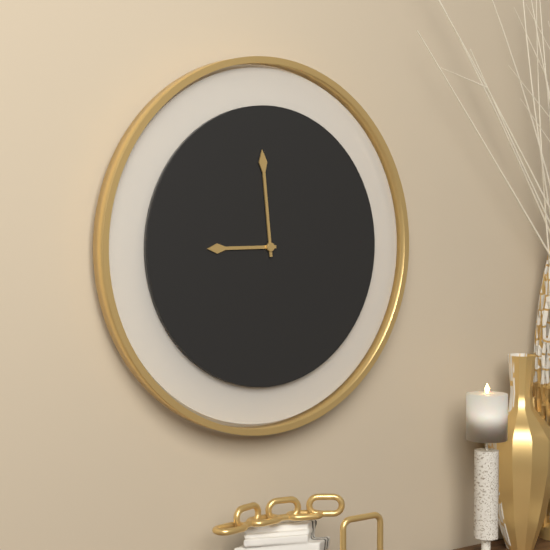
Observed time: **8:59**
